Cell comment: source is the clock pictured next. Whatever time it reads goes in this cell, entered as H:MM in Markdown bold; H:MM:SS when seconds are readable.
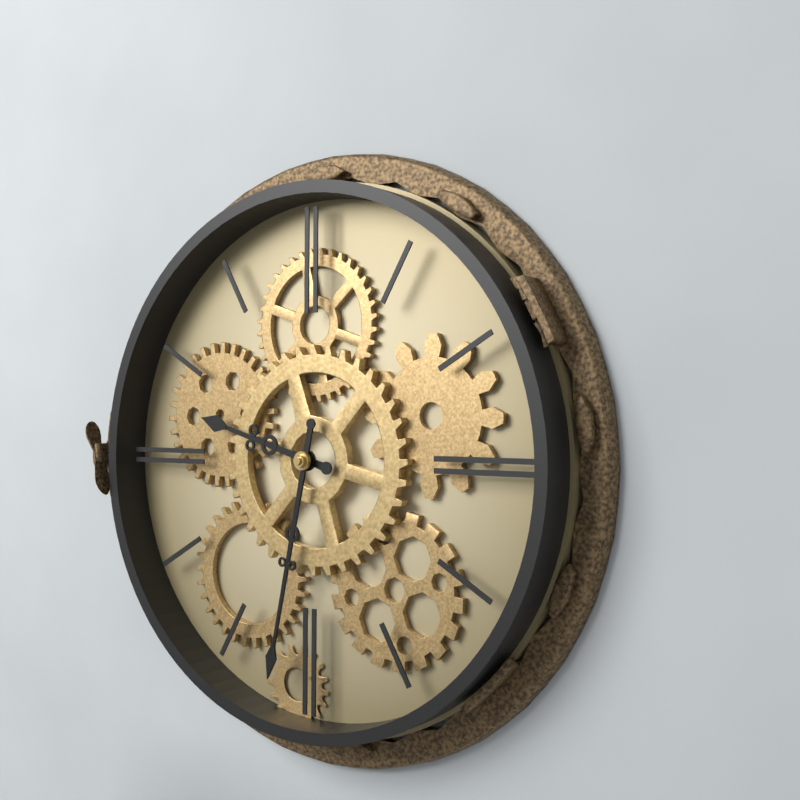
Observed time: **9:32**
